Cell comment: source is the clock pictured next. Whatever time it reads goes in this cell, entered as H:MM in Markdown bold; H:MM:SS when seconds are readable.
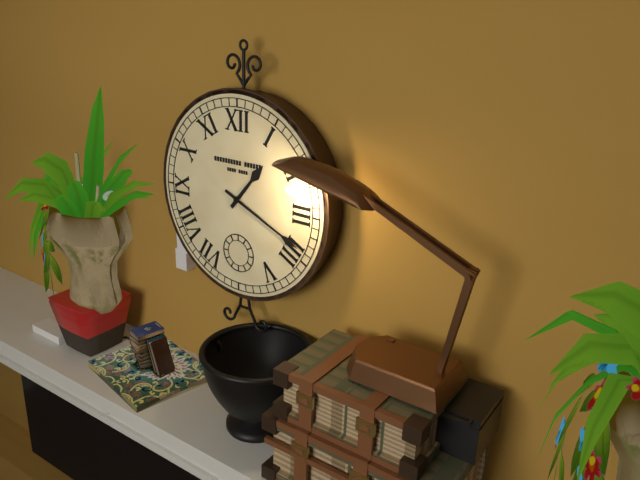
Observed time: **1:19**
